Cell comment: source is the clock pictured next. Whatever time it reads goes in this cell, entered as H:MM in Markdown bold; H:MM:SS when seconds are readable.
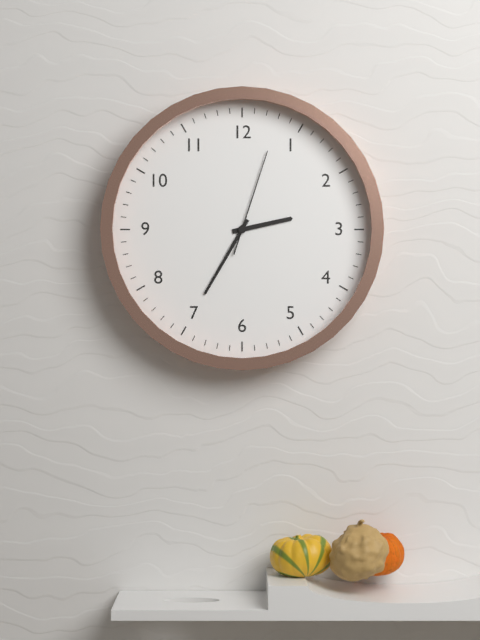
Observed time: **2:35:03**
